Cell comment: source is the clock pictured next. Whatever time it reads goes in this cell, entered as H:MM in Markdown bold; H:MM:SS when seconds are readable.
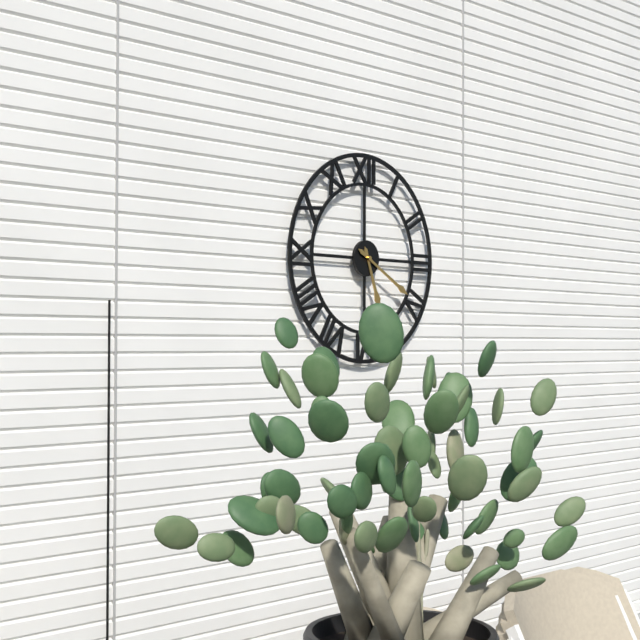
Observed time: **5:20**
